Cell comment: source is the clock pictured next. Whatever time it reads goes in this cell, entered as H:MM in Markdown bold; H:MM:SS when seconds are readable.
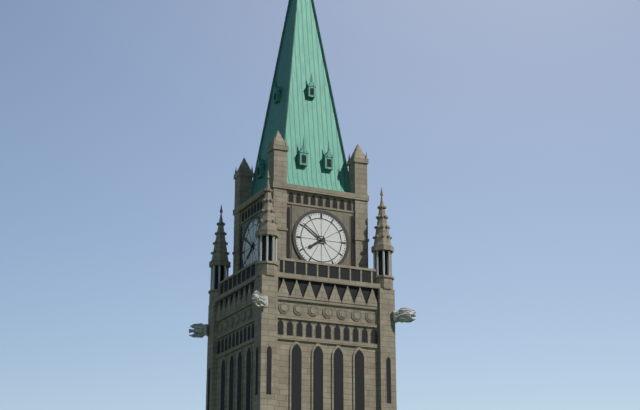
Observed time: **7:51**
